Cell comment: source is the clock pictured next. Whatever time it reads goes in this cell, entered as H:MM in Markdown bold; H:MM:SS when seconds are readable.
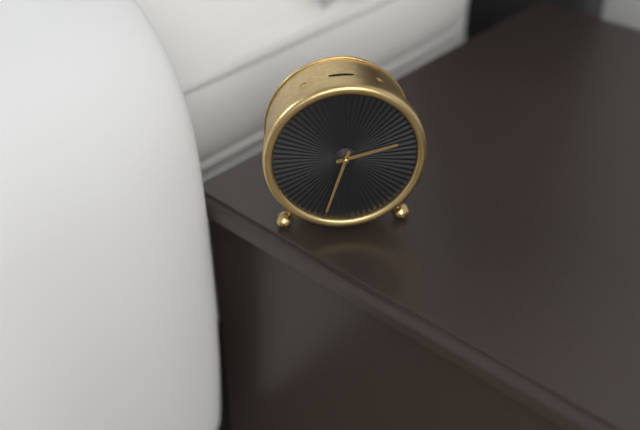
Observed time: **2:33**
